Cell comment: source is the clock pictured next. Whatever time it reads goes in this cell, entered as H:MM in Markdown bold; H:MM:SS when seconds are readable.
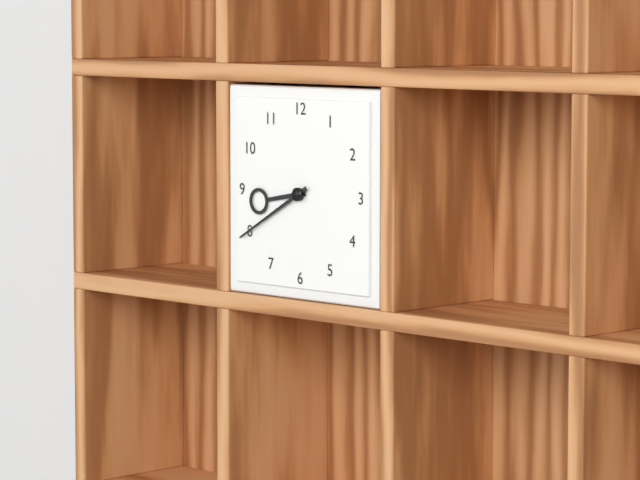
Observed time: **8:40**
